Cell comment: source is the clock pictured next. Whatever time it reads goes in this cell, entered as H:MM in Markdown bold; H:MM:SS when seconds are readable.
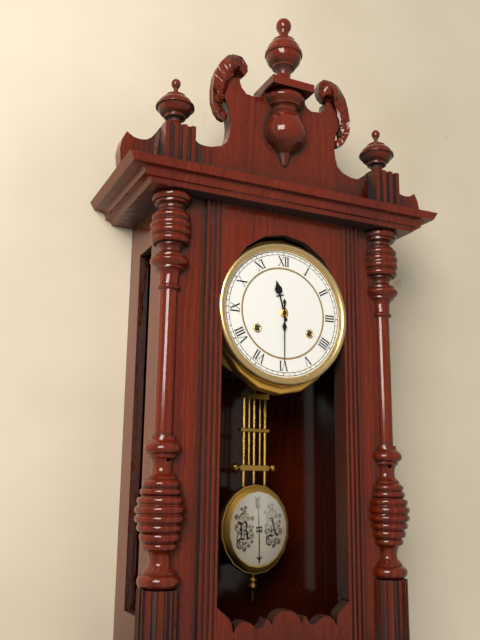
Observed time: **11:30**
